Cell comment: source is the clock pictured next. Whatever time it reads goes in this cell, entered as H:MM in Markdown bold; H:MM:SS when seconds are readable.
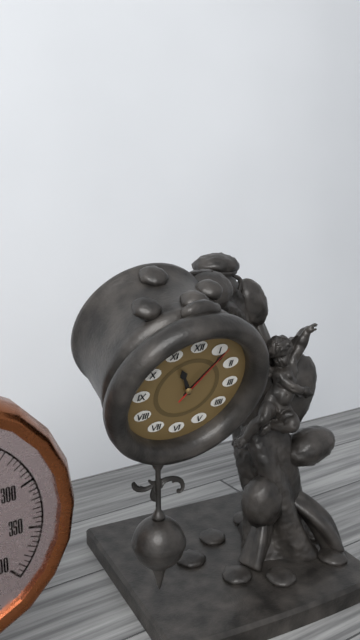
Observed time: **11:06:06**
